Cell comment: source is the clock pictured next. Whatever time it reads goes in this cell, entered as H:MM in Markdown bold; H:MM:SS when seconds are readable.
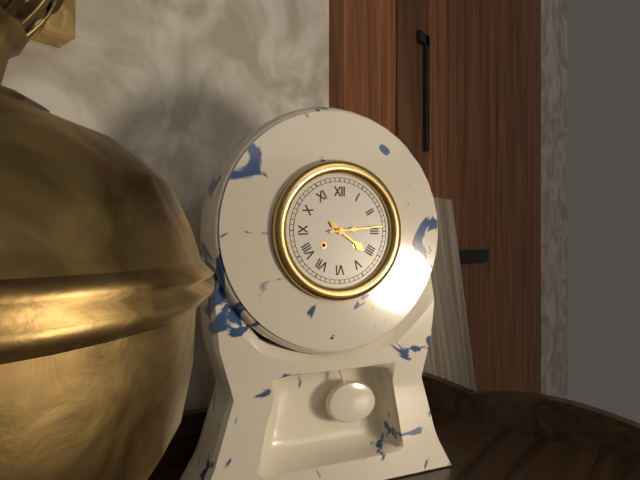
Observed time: **4:14**
